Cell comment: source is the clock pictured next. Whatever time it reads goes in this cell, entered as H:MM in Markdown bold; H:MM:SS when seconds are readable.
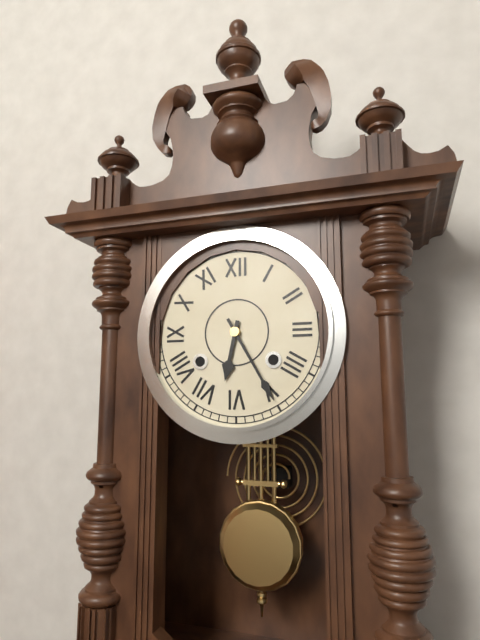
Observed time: **6:25**
